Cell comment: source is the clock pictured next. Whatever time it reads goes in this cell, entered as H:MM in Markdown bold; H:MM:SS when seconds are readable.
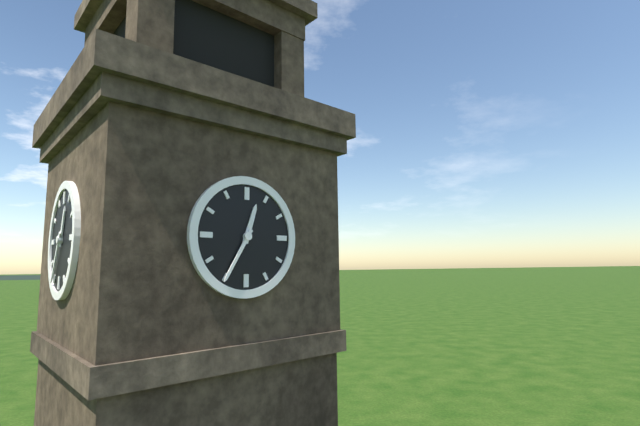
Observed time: **12:35**
